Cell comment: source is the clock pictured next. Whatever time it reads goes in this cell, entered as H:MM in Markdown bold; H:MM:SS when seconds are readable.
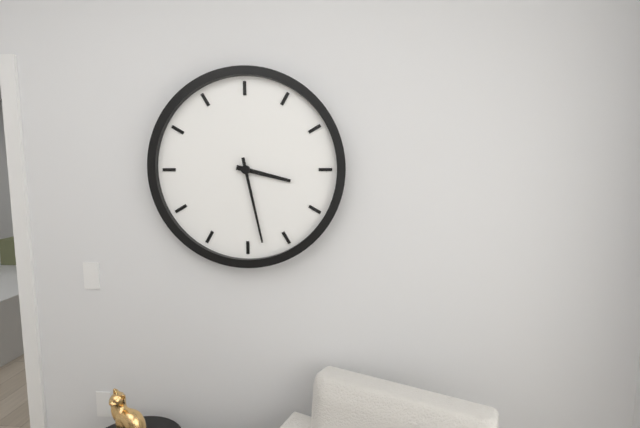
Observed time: **3:28**
